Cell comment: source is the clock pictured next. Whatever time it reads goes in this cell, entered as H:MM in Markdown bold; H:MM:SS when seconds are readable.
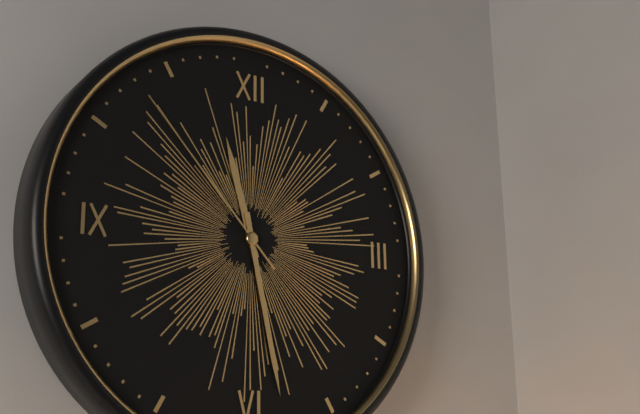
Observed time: **11:28:53**
